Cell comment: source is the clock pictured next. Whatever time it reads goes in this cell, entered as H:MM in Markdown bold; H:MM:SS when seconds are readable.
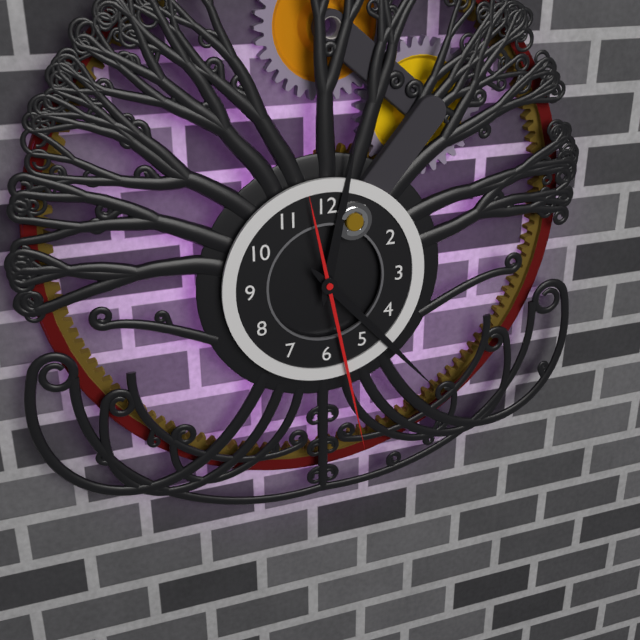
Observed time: **12:23:28**
